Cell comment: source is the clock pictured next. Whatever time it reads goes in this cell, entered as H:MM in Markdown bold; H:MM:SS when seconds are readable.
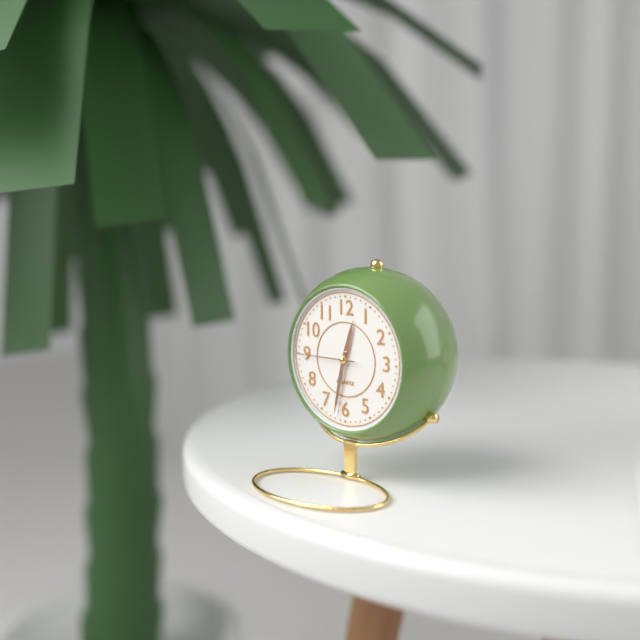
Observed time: **12:32:45**
